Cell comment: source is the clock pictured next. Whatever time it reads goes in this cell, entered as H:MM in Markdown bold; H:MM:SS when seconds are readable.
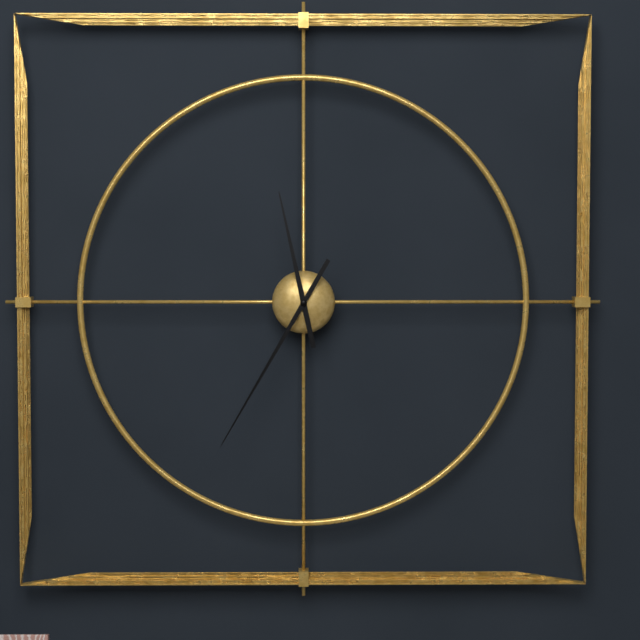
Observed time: **11:35**
